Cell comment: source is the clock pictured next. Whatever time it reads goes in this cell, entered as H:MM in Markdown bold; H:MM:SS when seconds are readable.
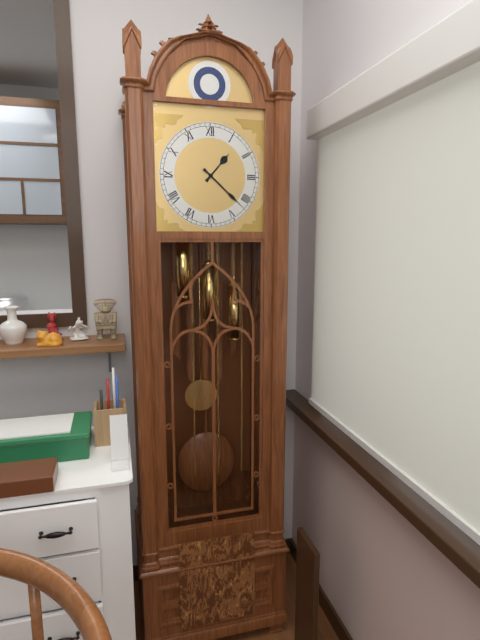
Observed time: **1:22**
